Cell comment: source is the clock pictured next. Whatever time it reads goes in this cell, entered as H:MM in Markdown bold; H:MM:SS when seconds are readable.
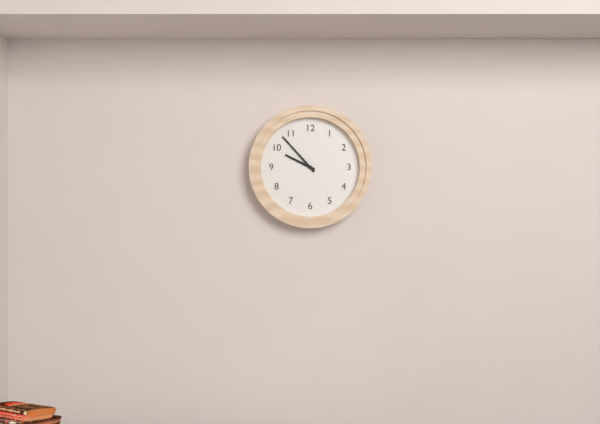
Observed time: **9:53**
